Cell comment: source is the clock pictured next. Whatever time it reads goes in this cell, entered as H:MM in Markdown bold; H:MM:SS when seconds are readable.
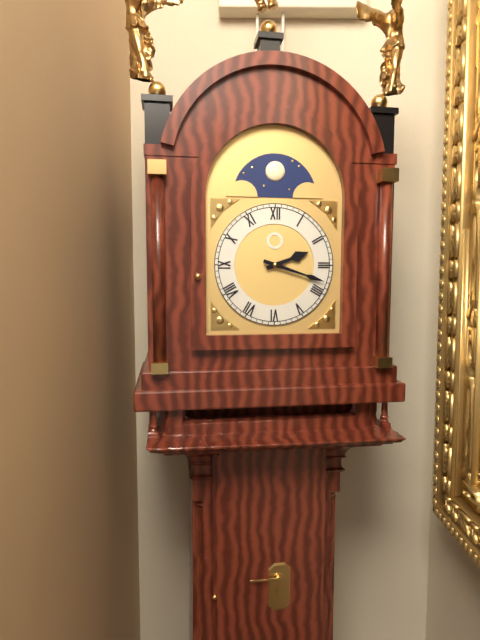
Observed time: **2:18**
